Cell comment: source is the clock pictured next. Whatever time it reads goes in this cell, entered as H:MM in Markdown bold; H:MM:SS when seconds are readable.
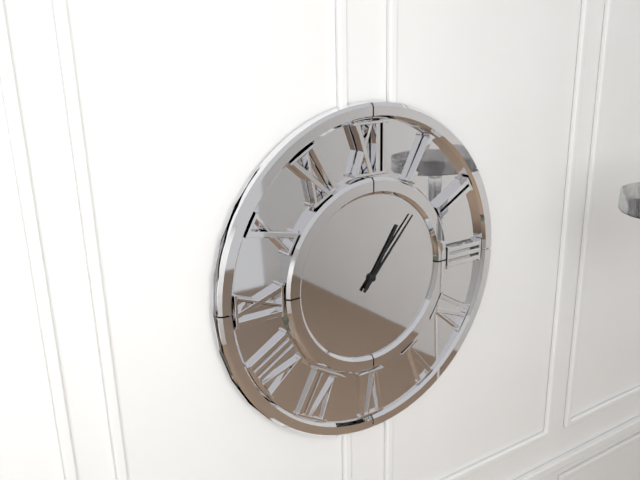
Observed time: **1:07**
